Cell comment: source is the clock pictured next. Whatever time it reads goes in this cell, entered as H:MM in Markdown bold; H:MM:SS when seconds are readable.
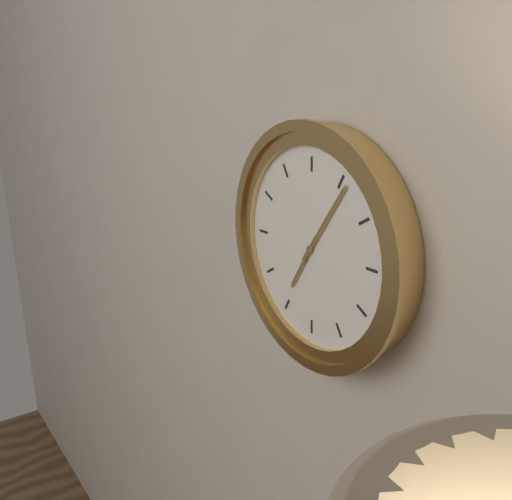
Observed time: **7:06**
